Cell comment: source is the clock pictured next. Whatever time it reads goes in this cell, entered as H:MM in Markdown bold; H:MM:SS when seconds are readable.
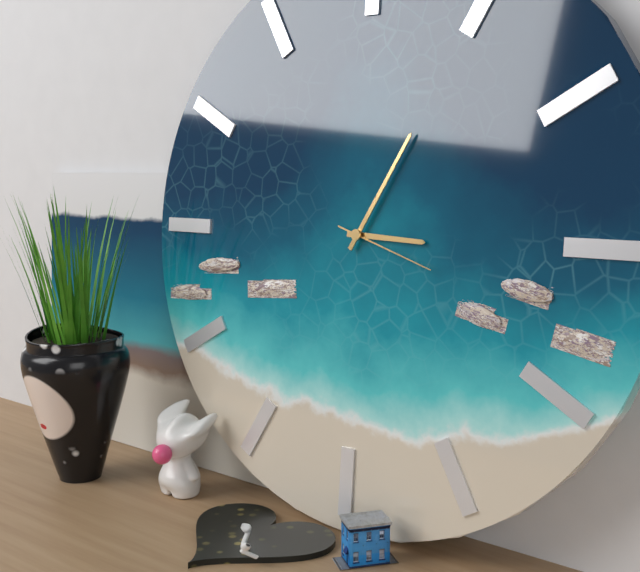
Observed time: **3:05:18**
